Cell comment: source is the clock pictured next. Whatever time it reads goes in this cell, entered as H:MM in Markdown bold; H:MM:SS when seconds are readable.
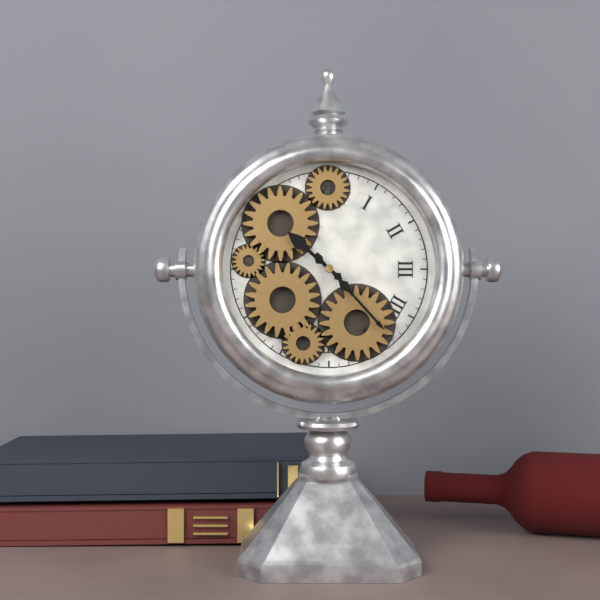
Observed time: **10:23**
